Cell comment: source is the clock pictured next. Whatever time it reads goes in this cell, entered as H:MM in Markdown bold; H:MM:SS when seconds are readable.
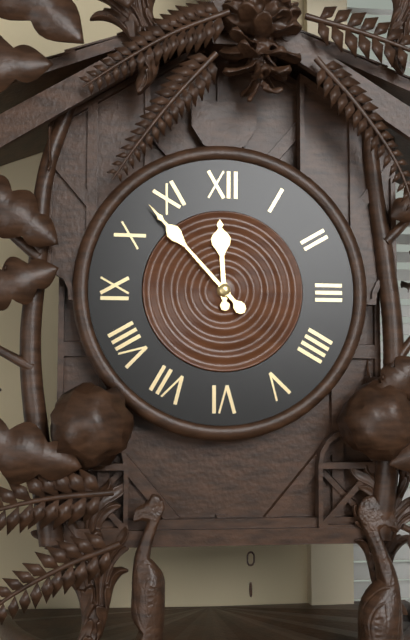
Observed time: **11:53**
